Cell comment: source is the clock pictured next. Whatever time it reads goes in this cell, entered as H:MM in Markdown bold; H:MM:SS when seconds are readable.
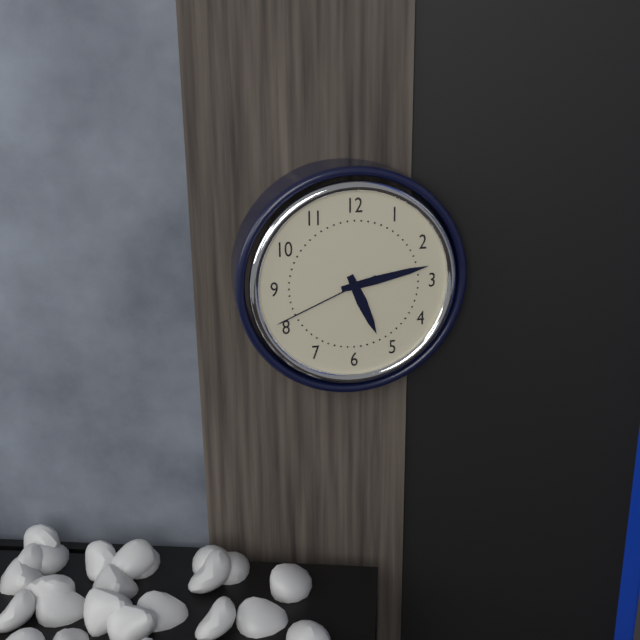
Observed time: **5:13:41**
